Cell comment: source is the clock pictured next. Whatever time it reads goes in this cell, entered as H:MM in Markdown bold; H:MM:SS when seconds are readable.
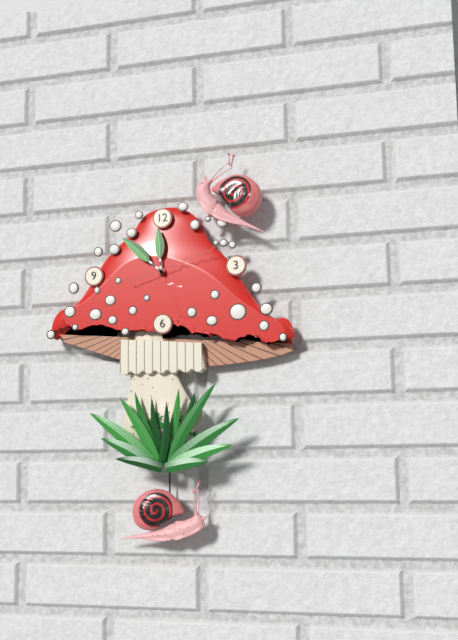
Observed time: **11:52:12**
